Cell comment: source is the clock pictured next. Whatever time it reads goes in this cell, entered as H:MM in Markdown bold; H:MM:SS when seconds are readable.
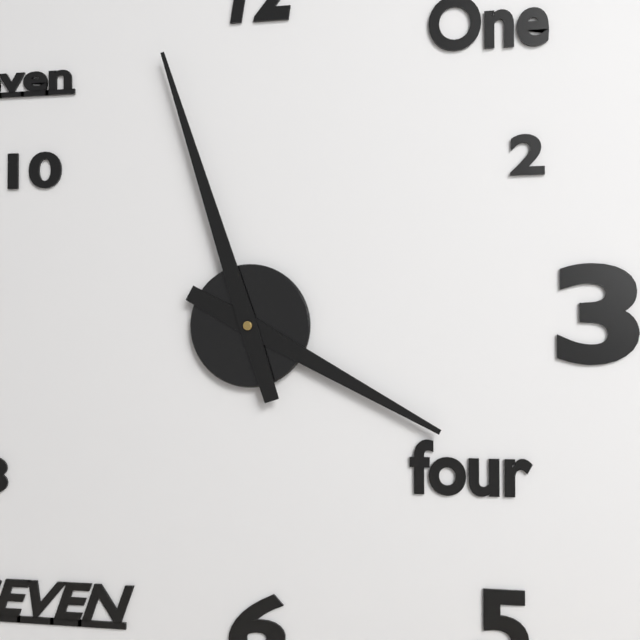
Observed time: **3:57**
